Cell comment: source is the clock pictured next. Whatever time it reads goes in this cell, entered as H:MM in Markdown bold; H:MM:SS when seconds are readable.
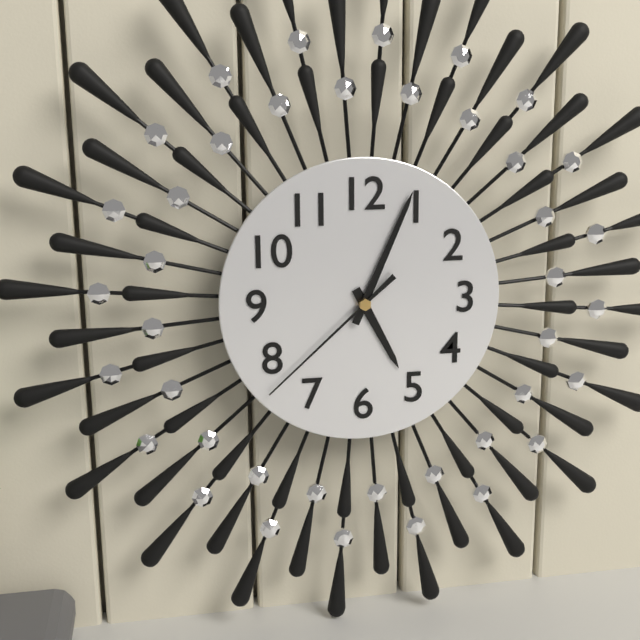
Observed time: **5:04:38**
